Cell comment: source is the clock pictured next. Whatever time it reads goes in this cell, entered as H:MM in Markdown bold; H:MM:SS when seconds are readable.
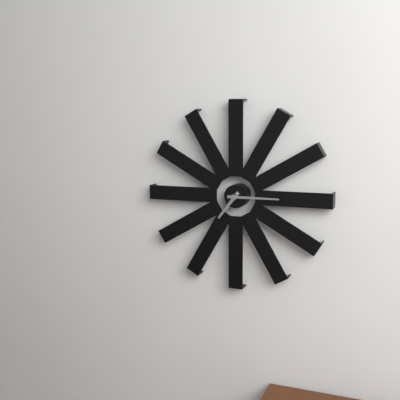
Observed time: **7:15**
